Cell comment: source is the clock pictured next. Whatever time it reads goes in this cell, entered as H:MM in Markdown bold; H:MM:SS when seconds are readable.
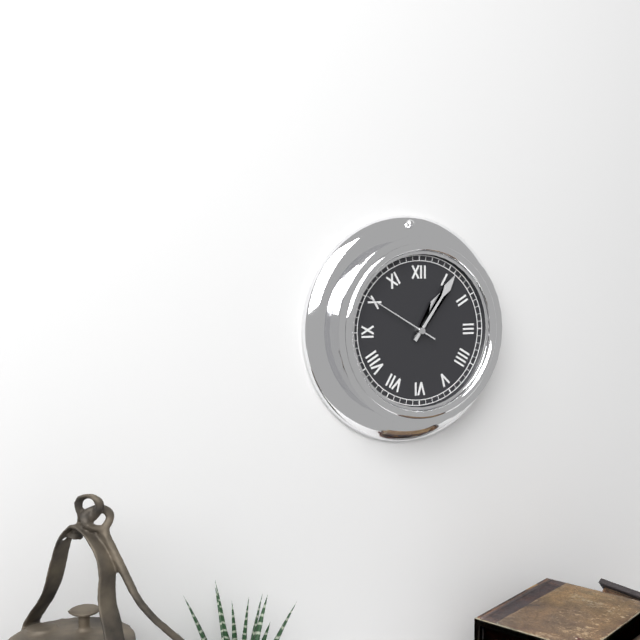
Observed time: **1:06:50**
